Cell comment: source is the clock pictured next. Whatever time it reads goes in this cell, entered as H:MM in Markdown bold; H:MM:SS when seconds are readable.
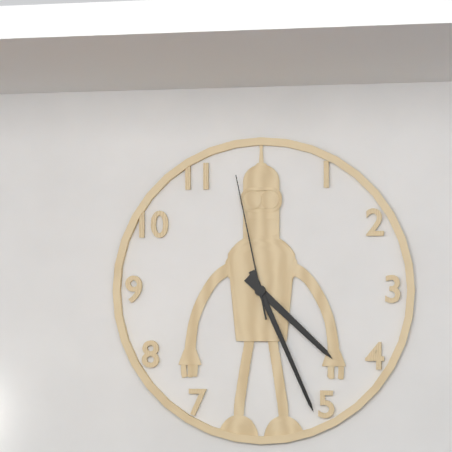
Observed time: **4:26:58**
